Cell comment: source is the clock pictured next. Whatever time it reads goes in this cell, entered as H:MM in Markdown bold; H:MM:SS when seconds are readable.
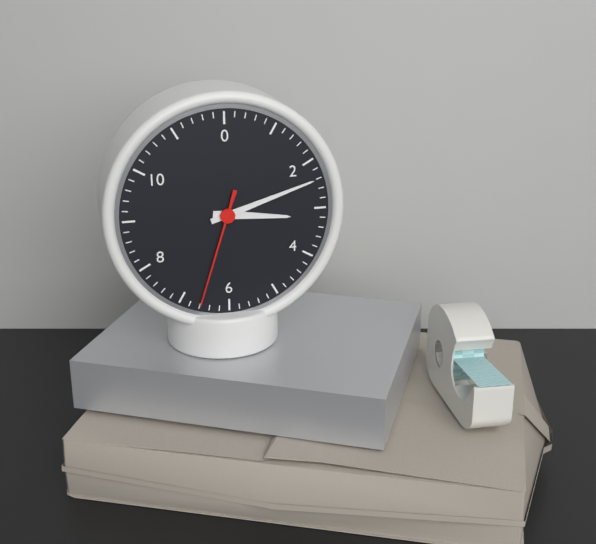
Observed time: **3:12:33**
